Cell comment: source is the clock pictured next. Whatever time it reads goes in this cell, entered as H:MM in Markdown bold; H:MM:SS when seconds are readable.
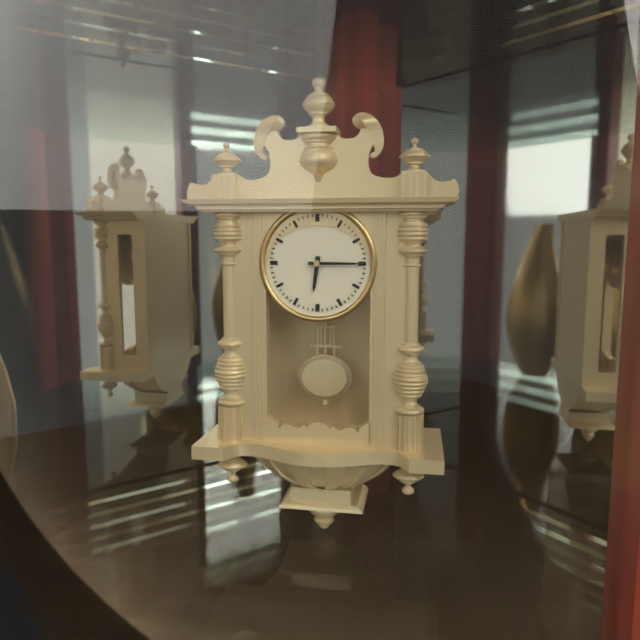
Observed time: **6:15**
